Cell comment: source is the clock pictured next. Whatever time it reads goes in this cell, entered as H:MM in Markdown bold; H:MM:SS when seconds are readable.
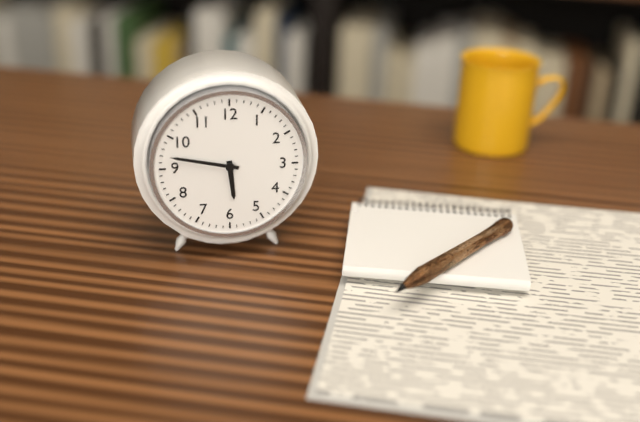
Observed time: **5:47**
